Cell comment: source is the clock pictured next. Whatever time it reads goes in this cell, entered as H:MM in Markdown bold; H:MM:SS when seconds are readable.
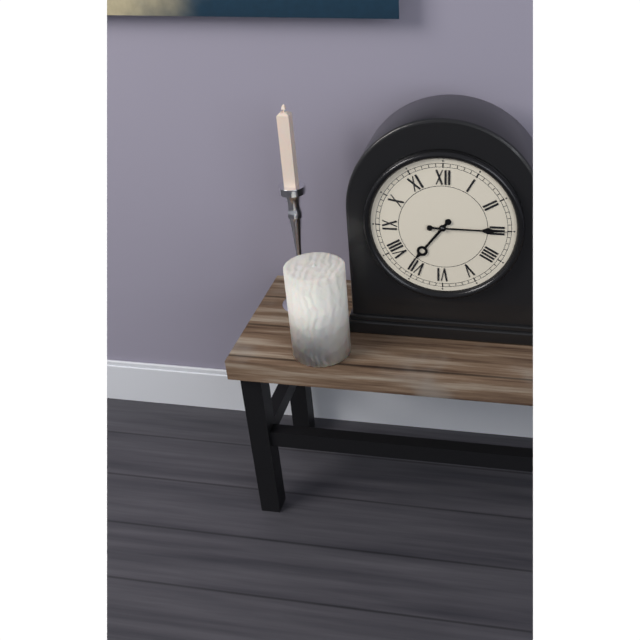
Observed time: **7:15**
